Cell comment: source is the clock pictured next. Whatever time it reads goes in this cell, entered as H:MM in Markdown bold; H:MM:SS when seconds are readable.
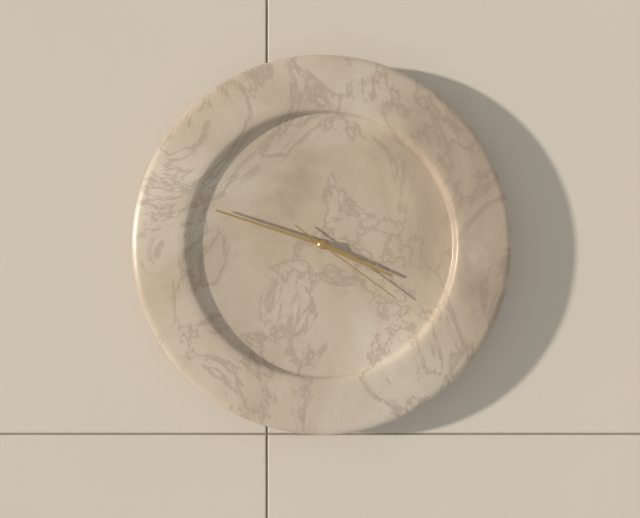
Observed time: **3:48:21**
